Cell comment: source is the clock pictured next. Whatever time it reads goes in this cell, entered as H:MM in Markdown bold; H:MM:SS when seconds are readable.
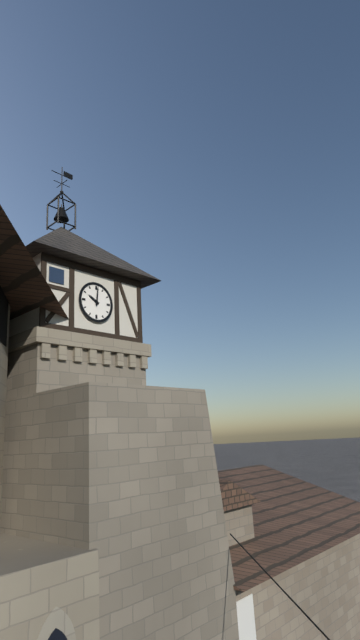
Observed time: **10:01**
